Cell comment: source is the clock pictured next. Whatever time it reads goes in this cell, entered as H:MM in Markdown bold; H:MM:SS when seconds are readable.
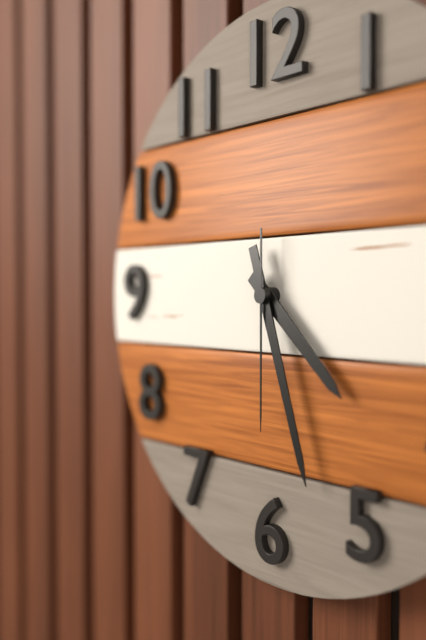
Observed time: **4:27:30**
